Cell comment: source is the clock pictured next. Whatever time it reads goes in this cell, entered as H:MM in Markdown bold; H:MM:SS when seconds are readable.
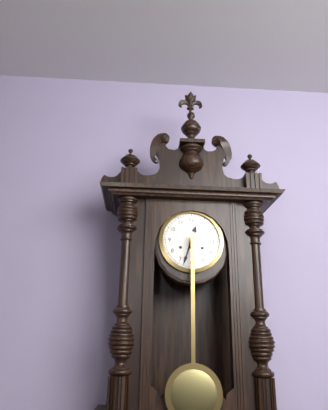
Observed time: **12:33**
